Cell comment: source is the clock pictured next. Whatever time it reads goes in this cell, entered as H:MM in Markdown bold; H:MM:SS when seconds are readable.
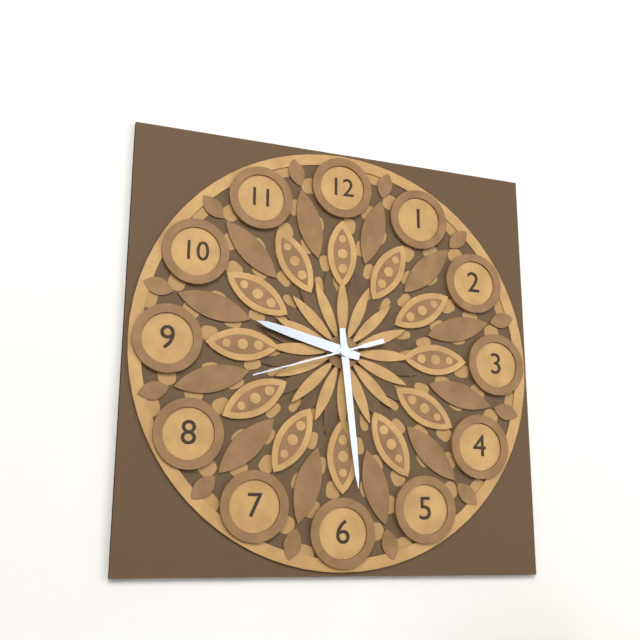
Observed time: **9:29:42**
